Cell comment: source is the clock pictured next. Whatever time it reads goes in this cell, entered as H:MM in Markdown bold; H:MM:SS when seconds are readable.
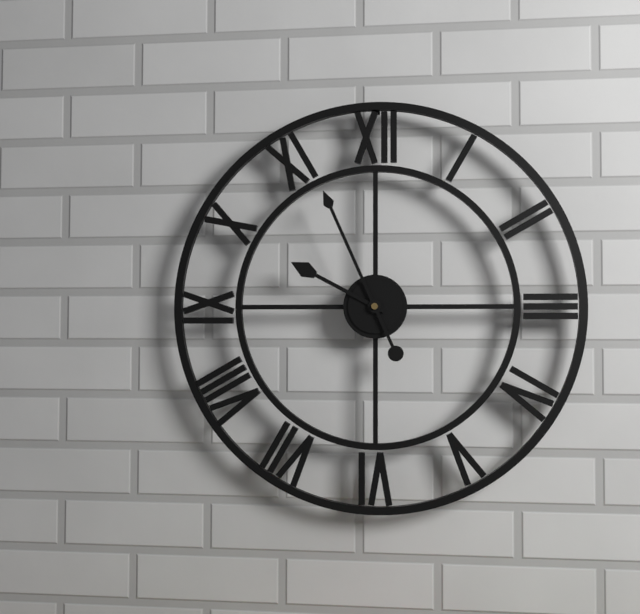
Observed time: **9:56**
